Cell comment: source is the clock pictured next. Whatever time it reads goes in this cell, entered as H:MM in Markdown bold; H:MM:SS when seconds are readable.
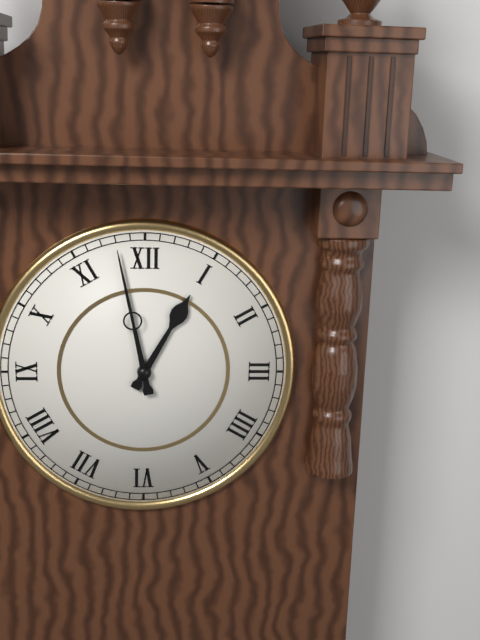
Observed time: **12:58**
